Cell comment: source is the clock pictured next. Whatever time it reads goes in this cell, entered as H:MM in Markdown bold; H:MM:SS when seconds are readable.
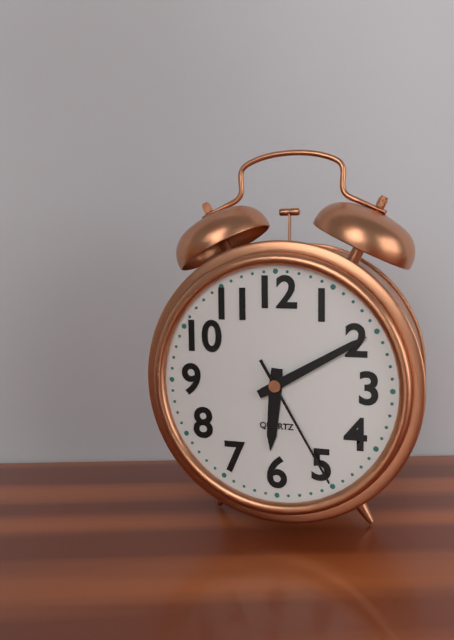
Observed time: **6:10:25**
